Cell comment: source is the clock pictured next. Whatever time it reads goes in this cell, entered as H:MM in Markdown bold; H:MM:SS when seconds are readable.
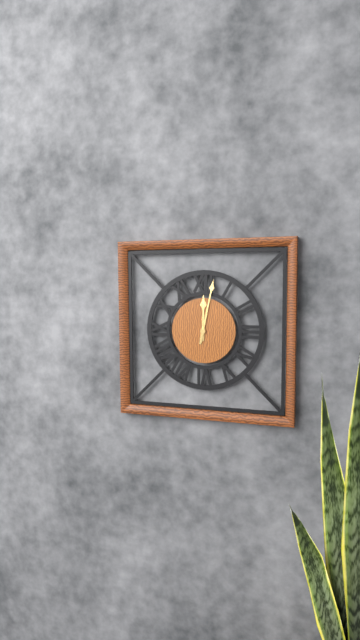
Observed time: **12:02**
